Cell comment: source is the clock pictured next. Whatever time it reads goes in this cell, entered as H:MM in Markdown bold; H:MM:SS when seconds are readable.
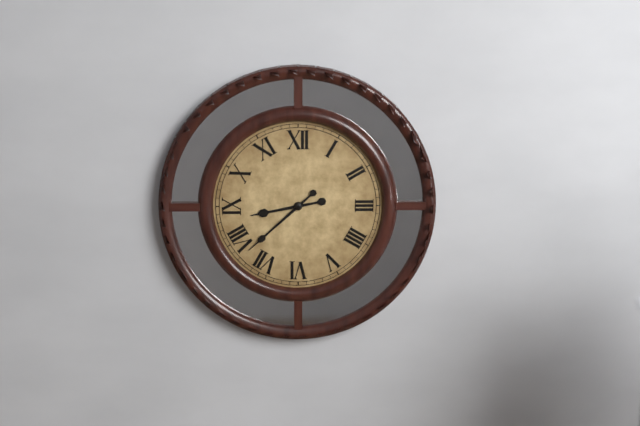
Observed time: **8:38**
